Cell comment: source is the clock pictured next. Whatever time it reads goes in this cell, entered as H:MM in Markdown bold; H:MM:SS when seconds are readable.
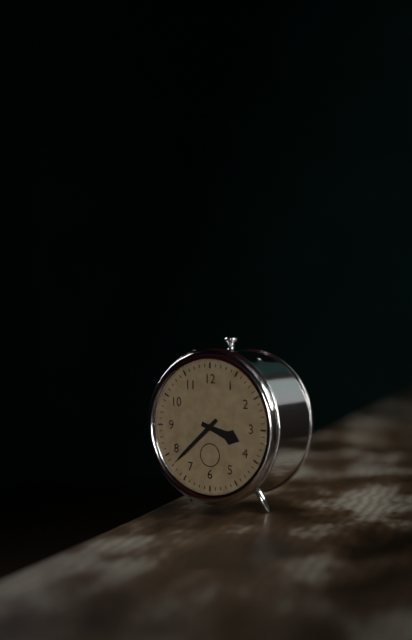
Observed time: **3:38**
